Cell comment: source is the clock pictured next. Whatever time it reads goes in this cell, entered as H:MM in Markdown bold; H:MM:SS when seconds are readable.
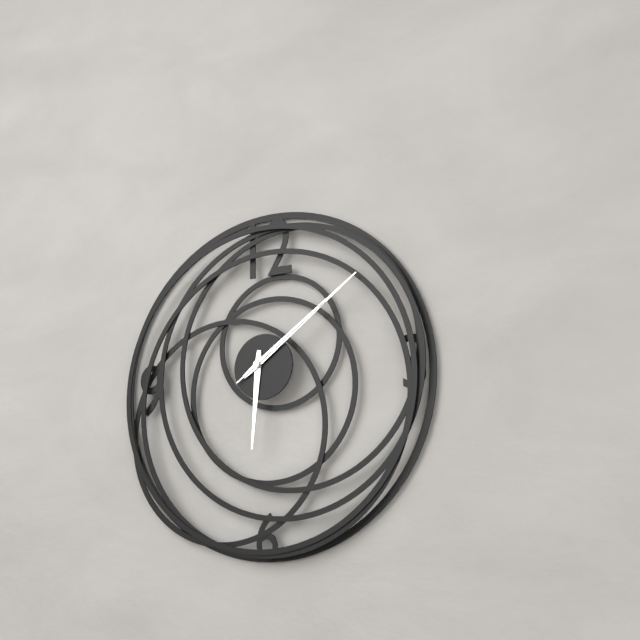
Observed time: **6:09:09**
